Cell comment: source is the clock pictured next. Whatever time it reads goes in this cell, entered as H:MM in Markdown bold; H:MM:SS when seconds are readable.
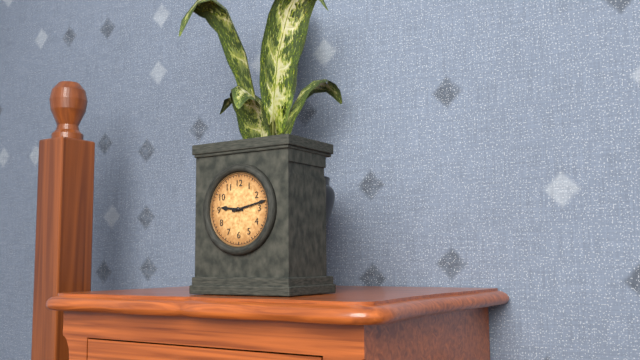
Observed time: **9:13**
